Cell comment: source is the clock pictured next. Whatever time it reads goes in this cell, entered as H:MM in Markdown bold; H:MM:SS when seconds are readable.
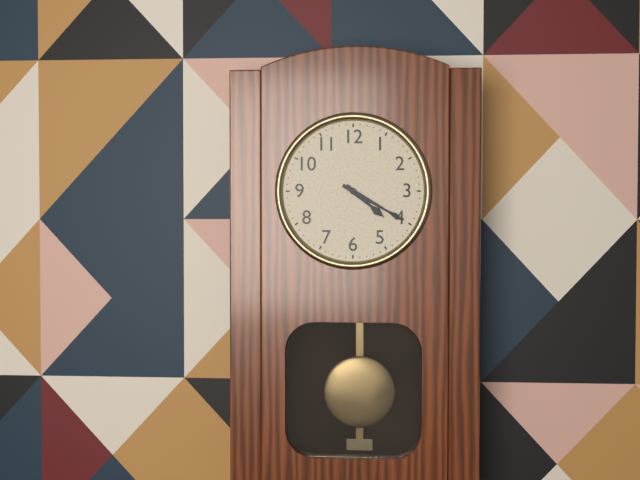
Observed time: **4:20**
